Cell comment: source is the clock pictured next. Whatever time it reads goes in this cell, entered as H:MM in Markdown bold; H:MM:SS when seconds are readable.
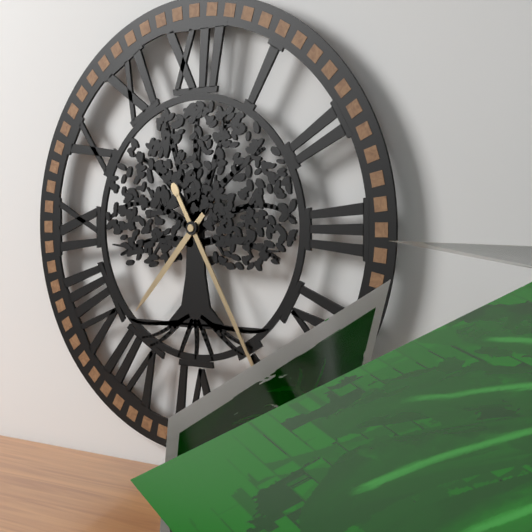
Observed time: **7:25**
